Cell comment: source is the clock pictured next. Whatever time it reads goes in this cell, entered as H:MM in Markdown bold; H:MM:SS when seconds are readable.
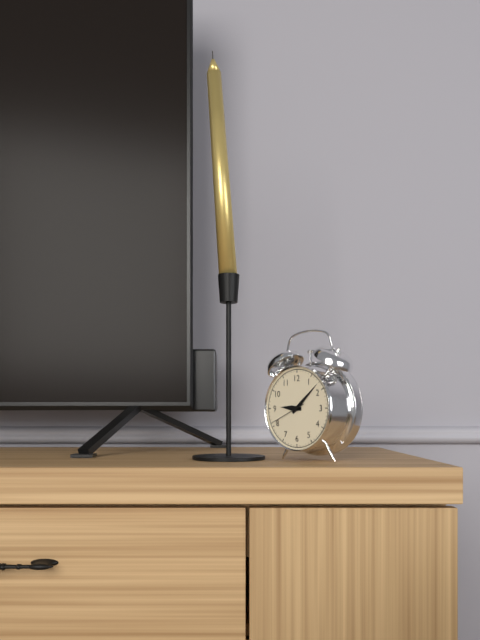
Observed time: **9:08**
